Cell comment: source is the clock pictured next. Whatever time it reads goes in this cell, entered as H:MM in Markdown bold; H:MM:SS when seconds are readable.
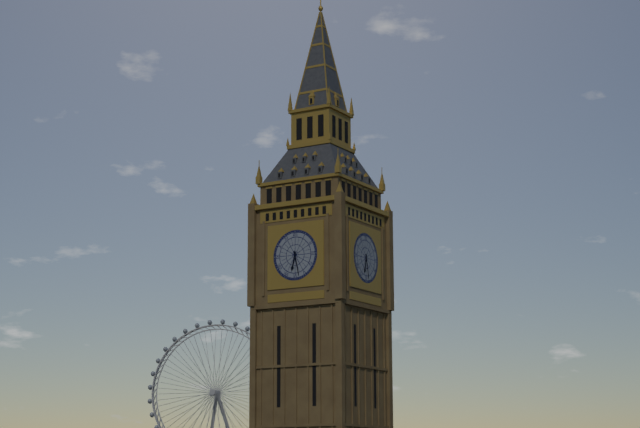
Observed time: **6:28**
